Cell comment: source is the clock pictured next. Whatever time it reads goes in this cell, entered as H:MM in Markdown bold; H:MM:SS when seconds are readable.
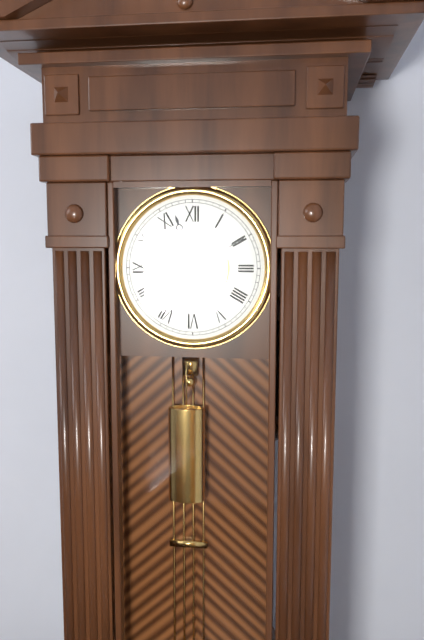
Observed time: **12:57:10**
